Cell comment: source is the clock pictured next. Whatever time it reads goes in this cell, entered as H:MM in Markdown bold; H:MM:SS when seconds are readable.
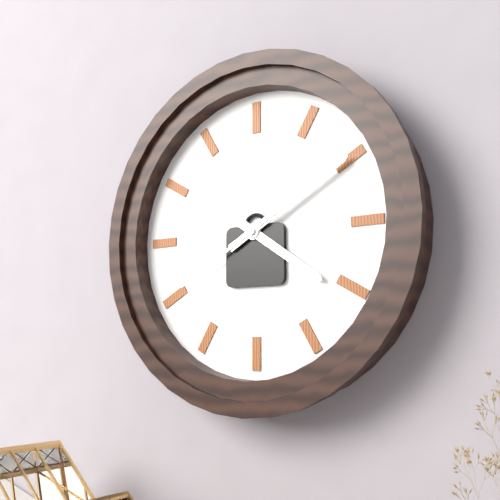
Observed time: **4:10:40**
